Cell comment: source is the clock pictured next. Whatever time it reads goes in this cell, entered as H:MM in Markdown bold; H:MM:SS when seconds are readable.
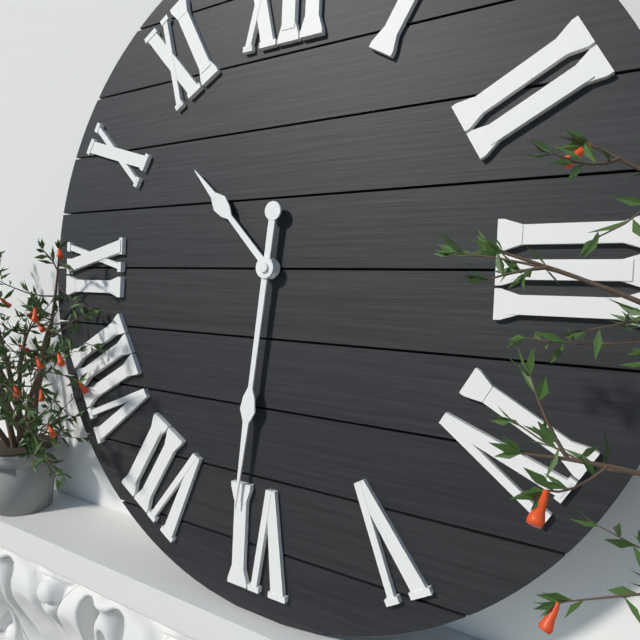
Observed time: **10:31**
